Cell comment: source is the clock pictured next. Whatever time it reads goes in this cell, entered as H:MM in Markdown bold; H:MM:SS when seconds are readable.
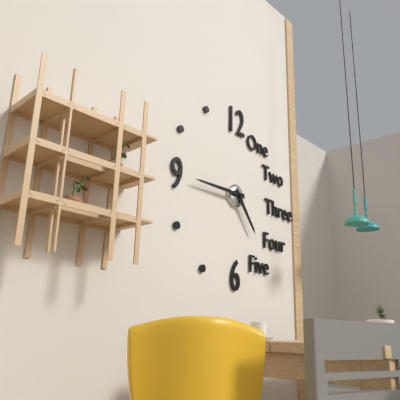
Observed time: **4:45**
